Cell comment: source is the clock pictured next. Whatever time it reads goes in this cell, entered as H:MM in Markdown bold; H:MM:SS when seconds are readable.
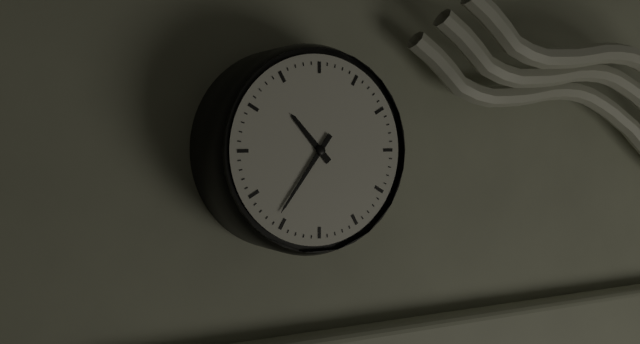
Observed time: **10:36**
